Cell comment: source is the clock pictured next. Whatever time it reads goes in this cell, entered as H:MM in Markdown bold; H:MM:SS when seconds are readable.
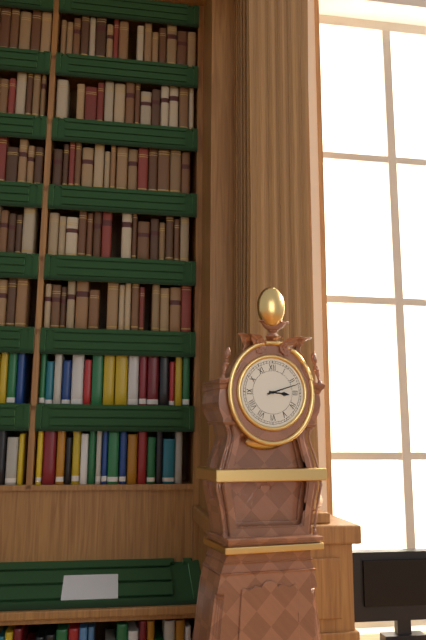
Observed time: **3:12**
